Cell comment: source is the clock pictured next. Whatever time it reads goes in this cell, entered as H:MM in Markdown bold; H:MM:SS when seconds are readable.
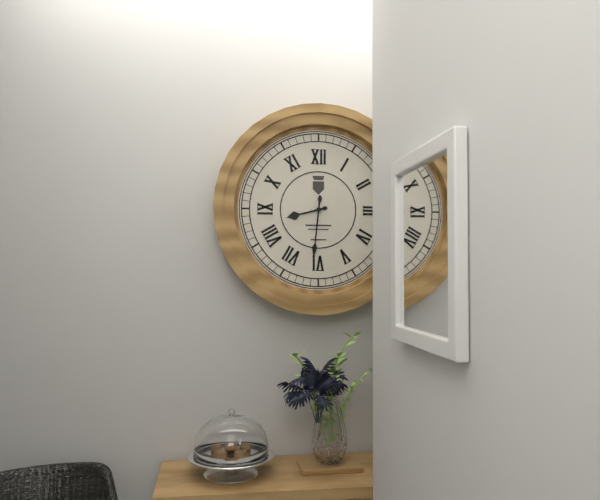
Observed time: **8:31**
